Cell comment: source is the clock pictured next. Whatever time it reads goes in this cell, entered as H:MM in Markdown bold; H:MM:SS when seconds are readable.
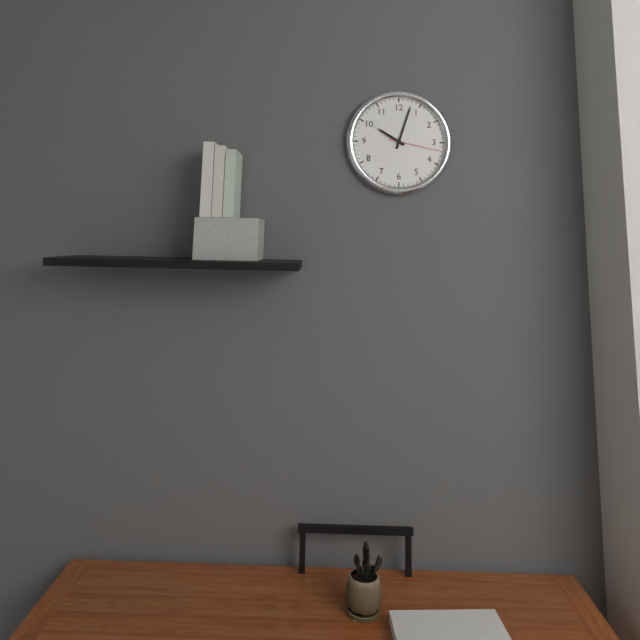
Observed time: **10:03:17**
